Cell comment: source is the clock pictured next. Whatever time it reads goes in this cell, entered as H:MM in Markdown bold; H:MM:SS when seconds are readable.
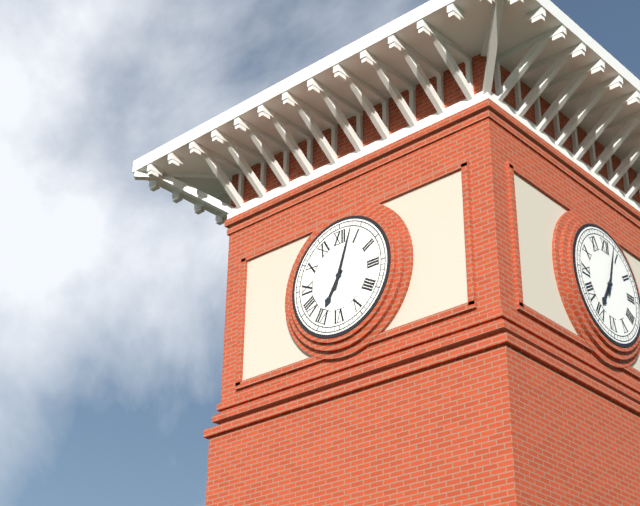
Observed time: **7:03**
